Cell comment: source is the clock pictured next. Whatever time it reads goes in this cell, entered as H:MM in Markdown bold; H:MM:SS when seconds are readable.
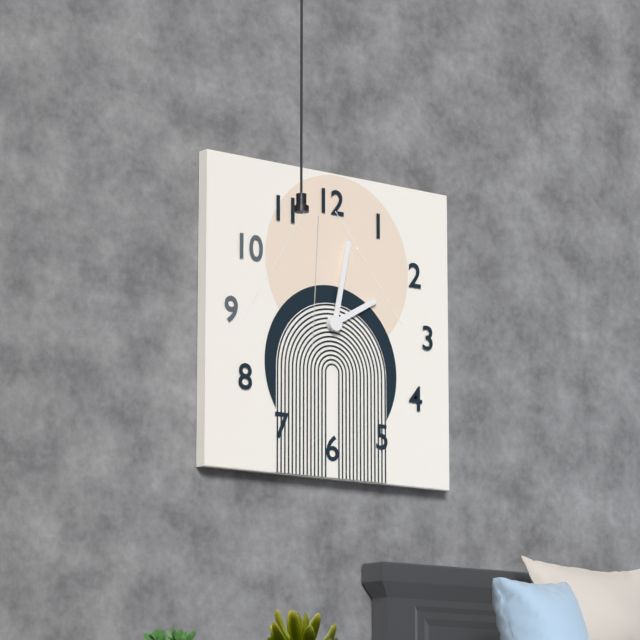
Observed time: **2:02**
